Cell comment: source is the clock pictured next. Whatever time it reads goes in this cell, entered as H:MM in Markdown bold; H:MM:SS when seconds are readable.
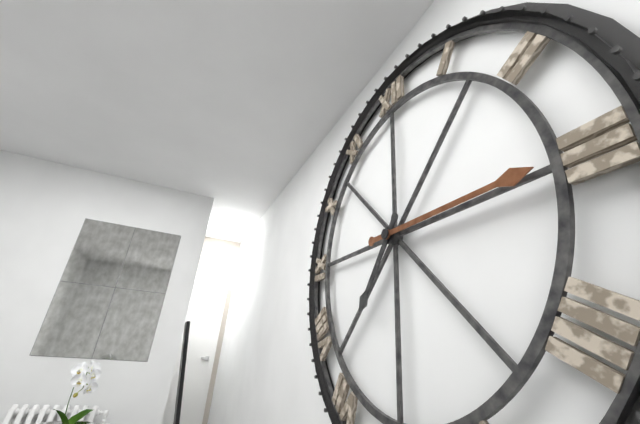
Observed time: **7:15**
